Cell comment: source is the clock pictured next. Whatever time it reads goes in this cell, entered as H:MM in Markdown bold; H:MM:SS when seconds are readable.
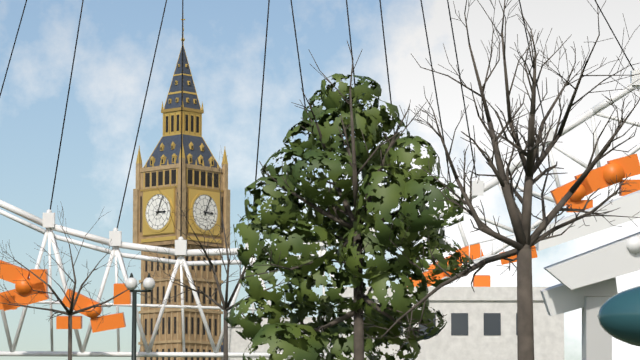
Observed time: **3:04**
